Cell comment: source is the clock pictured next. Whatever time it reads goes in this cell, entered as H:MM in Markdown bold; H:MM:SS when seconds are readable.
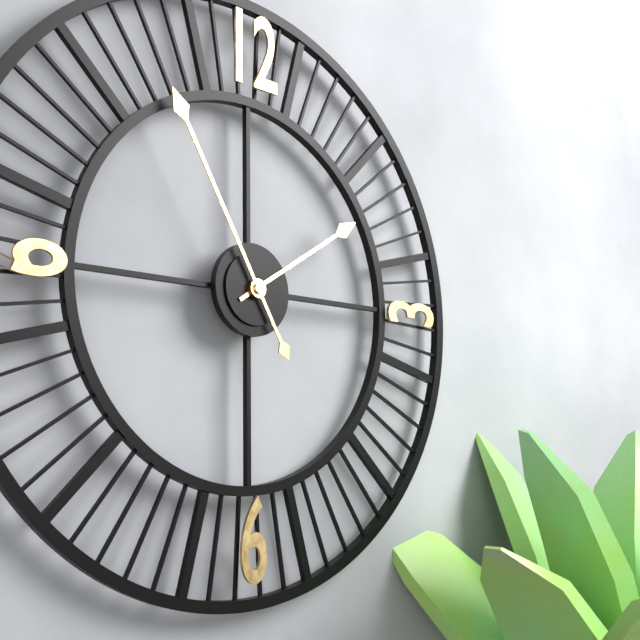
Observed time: **1:55**
